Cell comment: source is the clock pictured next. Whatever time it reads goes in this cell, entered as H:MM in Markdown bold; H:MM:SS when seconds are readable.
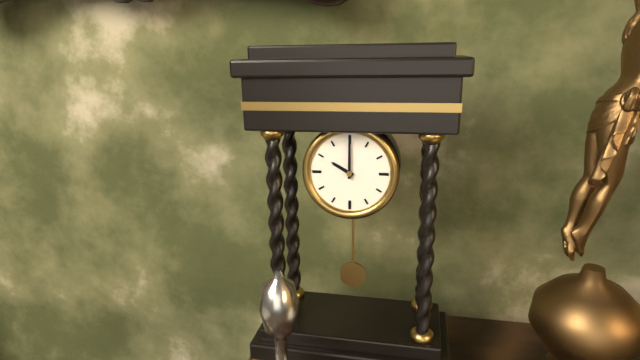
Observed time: **10:00**
